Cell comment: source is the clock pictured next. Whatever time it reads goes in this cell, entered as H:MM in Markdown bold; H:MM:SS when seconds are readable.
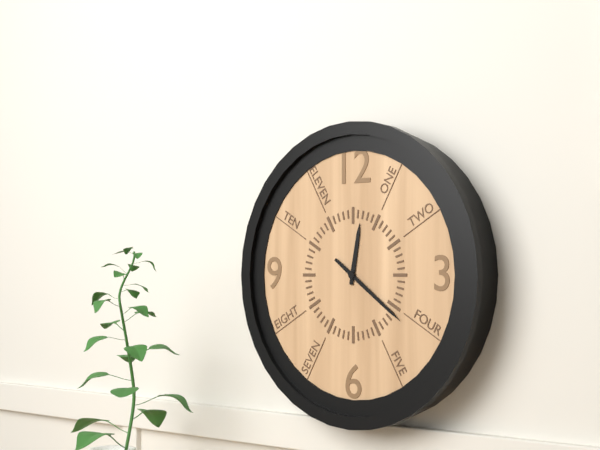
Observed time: **12:21**
